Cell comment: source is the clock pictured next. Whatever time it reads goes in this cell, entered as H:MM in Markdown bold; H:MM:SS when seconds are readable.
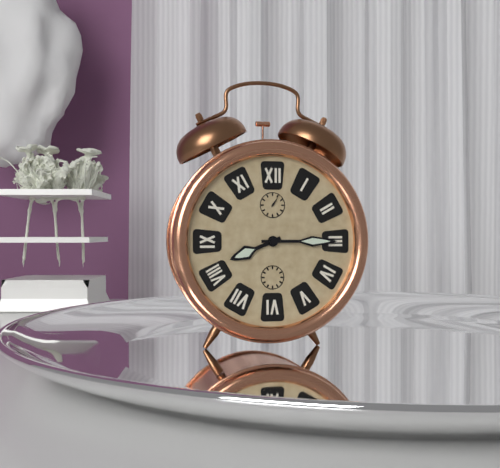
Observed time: **8:15**
